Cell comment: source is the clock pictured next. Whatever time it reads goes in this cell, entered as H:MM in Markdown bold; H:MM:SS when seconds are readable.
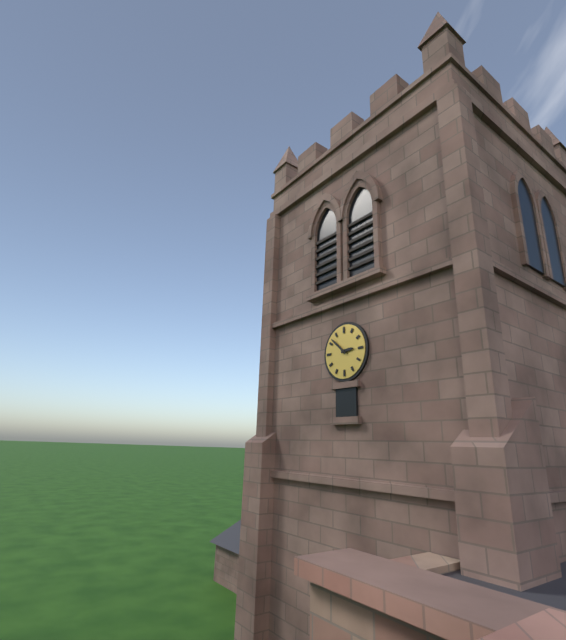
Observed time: **2:52**
